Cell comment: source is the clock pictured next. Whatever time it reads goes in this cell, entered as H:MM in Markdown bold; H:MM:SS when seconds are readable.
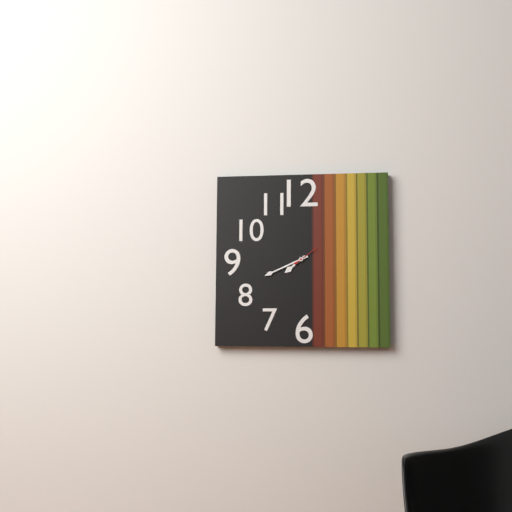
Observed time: **7:41**
